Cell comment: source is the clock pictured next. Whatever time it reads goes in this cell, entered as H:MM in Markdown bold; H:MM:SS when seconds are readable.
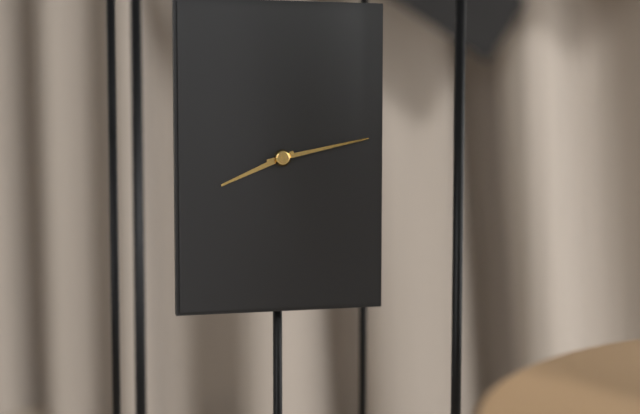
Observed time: **8:13**
